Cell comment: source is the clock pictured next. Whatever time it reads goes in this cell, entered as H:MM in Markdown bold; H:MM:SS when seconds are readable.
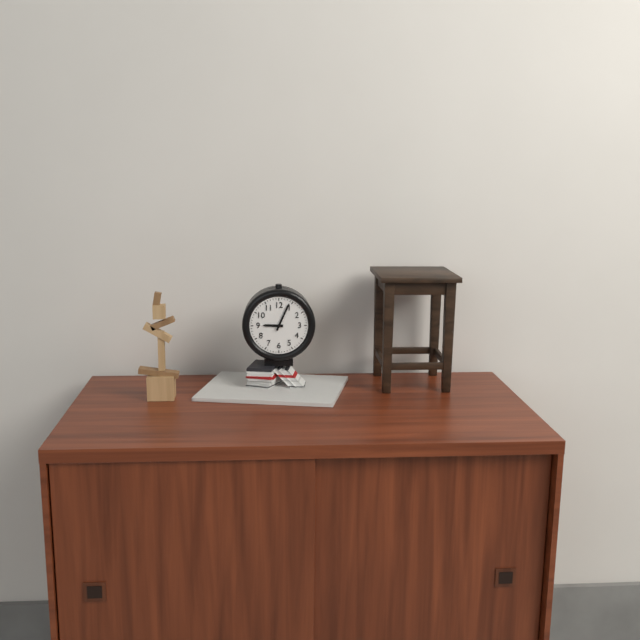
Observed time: **9:04**
